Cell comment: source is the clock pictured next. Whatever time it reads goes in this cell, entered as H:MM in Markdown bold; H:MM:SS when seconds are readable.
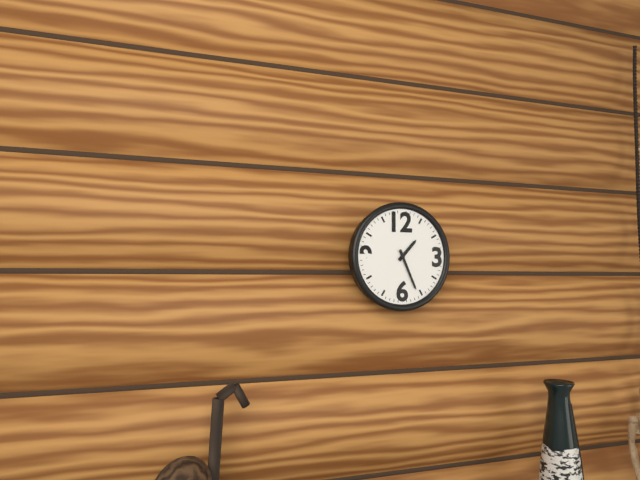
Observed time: **1:26**
